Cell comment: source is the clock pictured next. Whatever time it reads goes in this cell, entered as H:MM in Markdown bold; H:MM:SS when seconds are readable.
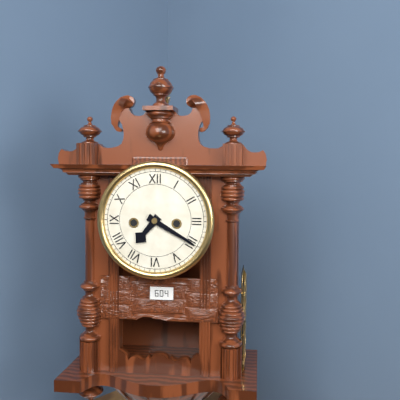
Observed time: **7:20**
